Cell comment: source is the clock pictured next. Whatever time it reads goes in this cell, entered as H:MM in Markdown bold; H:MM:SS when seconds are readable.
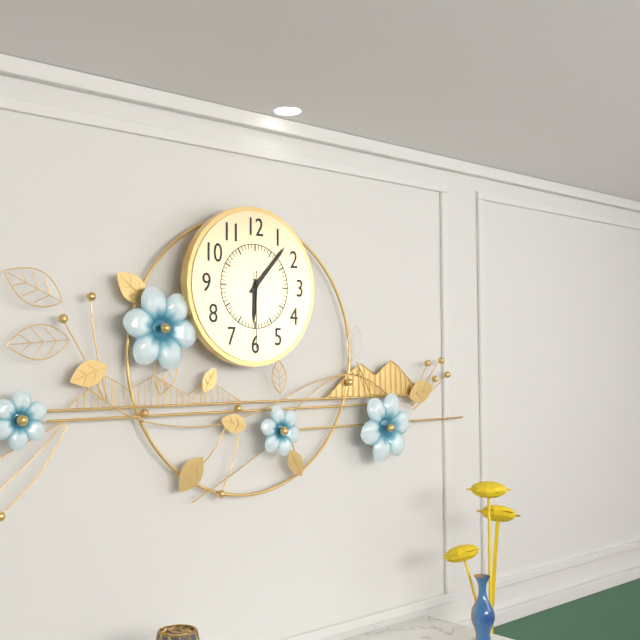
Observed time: **6:07:30**
